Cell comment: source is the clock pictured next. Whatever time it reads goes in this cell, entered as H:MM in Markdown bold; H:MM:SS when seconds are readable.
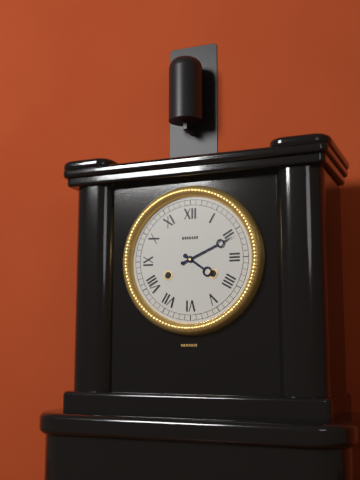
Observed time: **4:11**
